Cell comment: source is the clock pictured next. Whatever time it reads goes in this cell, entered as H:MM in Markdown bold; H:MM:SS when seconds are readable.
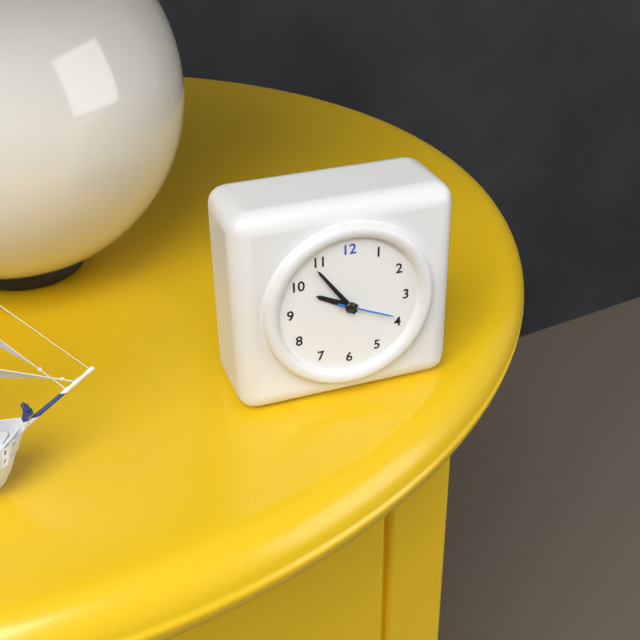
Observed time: **9:54:19**
